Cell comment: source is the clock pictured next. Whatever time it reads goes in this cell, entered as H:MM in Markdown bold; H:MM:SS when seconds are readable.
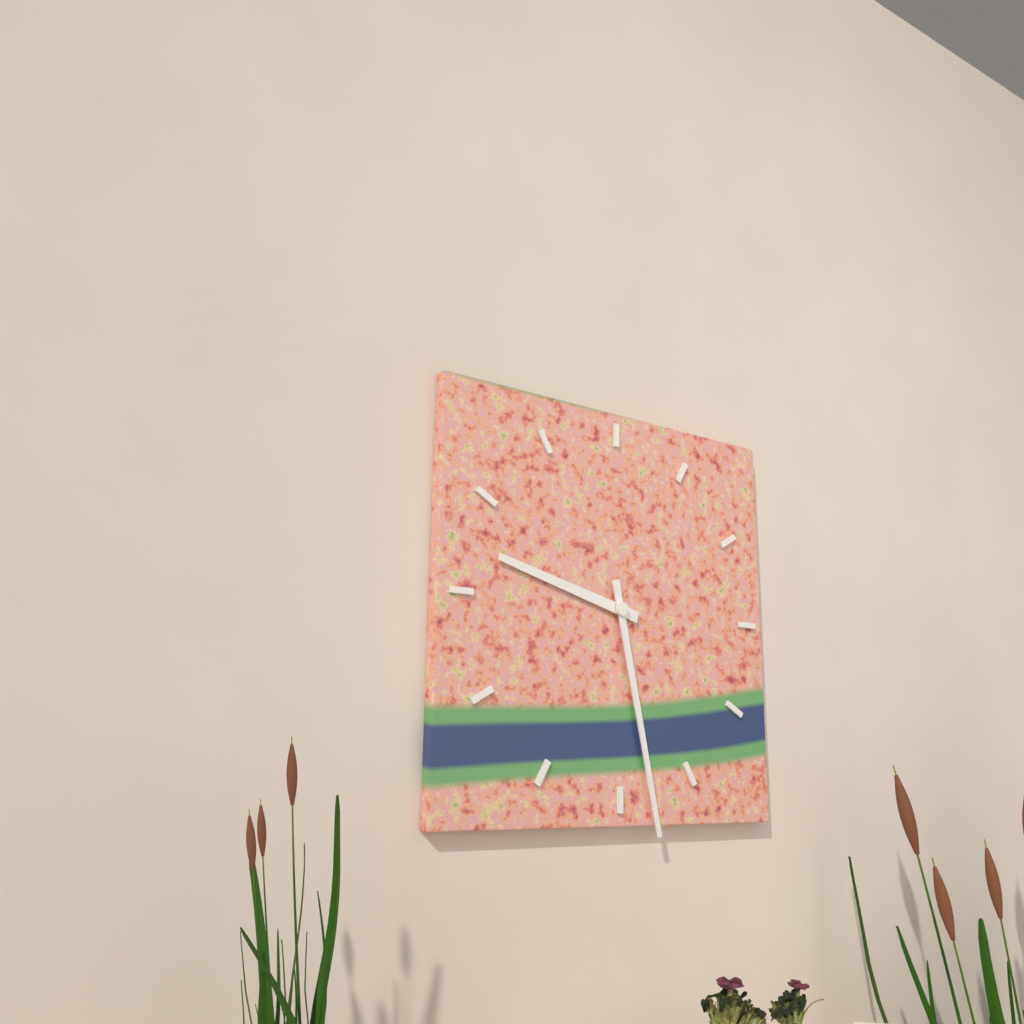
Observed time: **9:28**
